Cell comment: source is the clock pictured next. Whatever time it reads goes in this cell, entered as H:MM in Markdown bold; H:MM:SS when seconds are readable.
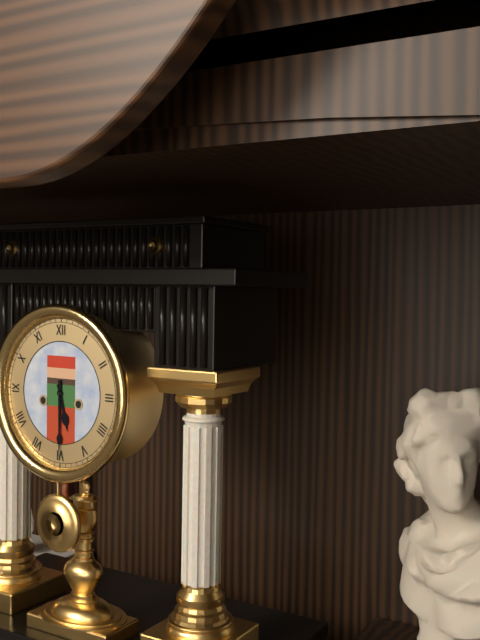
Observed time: **5:30**
